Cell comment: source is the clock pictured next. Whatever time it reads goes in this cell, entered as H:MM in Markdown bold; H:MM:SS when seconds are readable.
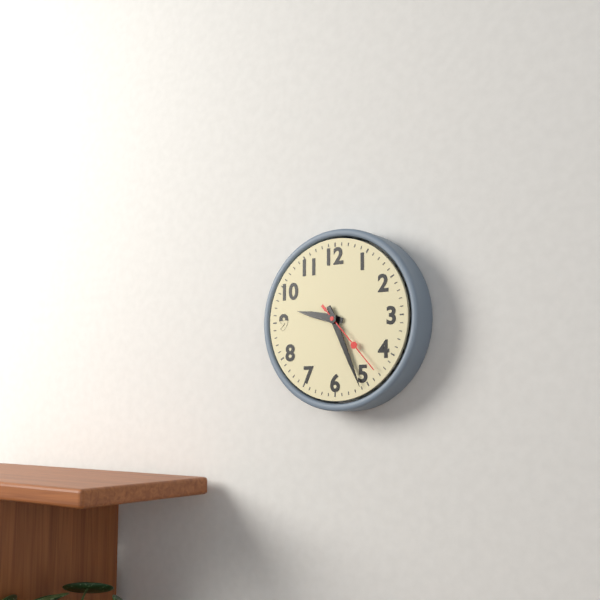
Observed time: **9:26:23**
